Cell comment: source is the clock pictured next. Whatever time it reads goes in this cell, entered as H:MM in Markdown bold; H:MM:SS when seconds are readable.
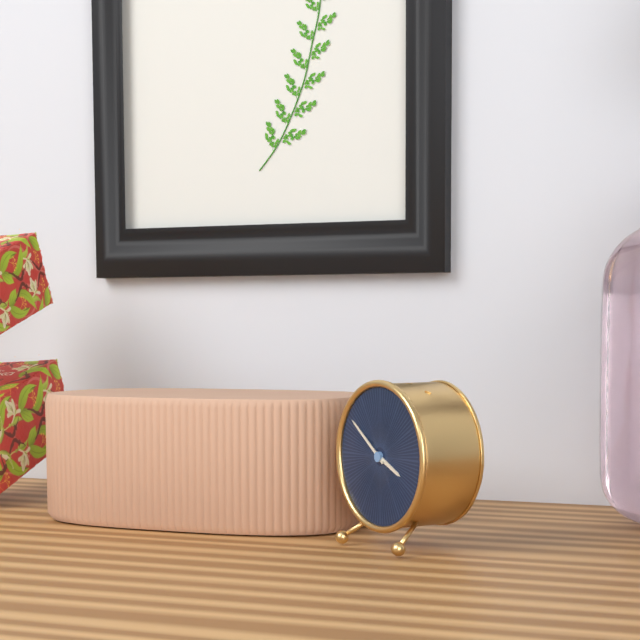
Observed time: **3:51**
